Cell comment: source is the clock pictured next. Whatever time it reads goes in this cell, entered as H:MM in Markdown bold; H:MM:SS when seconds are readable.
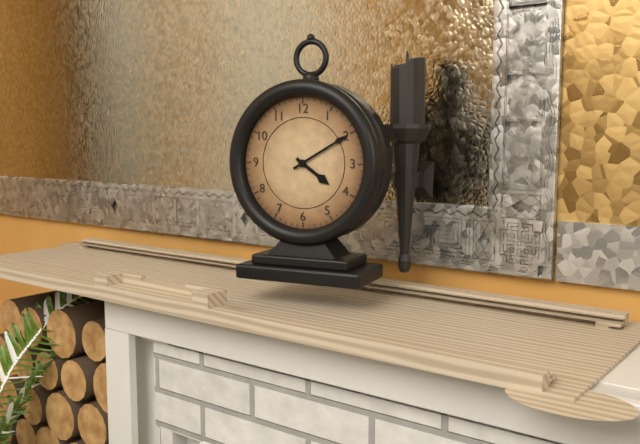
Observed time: **4:10**
